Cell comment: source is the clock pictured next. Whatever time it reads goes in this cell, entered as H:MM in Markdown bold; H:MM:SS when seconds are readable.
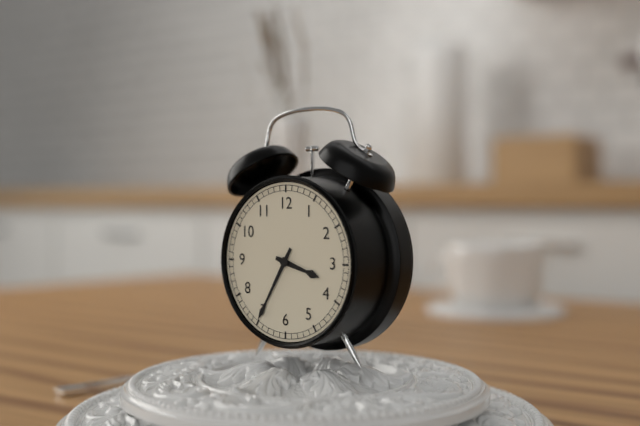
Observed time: **3:35**
